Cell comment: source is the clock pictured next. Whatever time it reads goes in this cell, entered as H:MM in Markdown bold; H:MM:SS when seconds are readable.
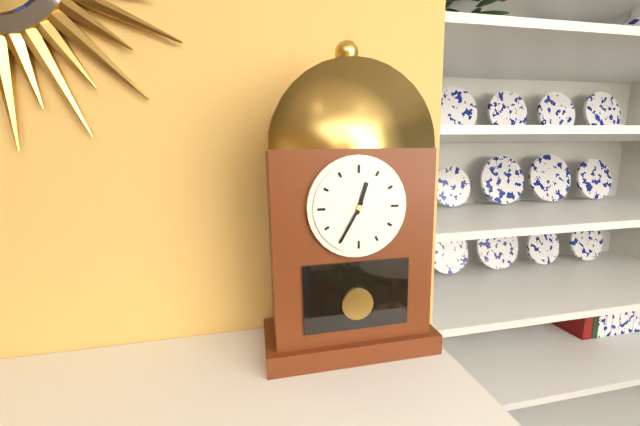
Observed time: **12:35**
